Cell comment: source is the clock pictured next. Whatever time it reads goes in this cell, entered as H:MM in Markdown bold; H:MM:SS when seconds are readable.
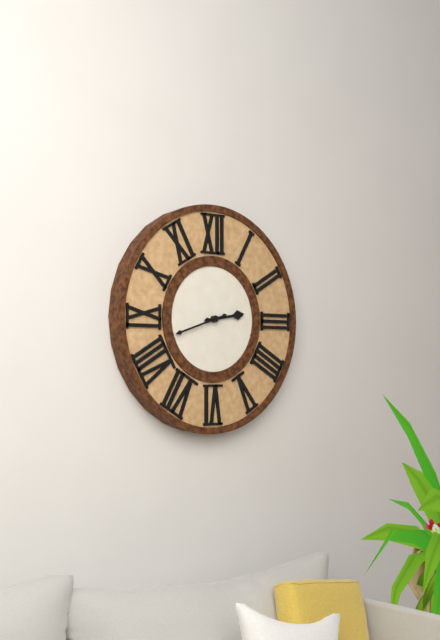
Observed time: **2:42**
